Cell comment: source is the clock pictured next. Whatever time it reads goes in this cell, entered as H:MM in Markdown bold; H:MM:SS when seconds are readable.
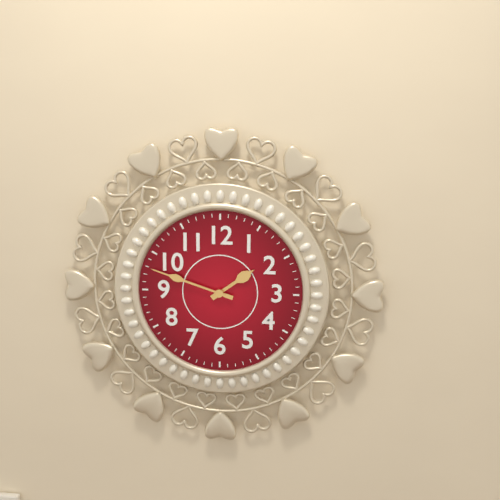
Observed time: **1:48**
